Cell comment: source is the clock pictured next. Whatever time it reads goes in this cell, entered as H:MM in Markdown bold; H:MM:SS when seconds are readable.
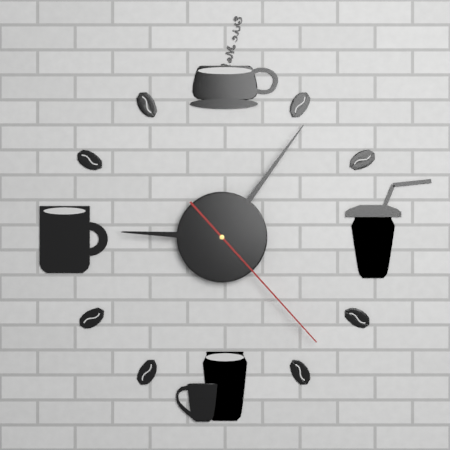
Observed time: **9:06:23**
